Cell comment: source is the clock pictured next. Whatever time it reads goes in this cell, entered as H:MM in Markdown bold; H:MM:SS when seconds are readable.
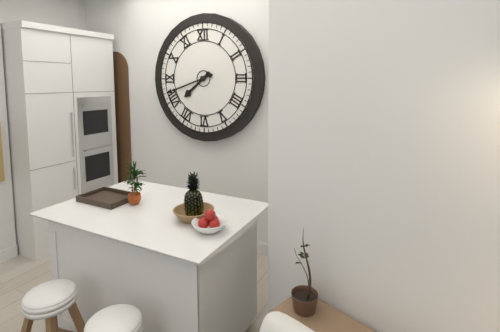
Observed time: **7:42**
